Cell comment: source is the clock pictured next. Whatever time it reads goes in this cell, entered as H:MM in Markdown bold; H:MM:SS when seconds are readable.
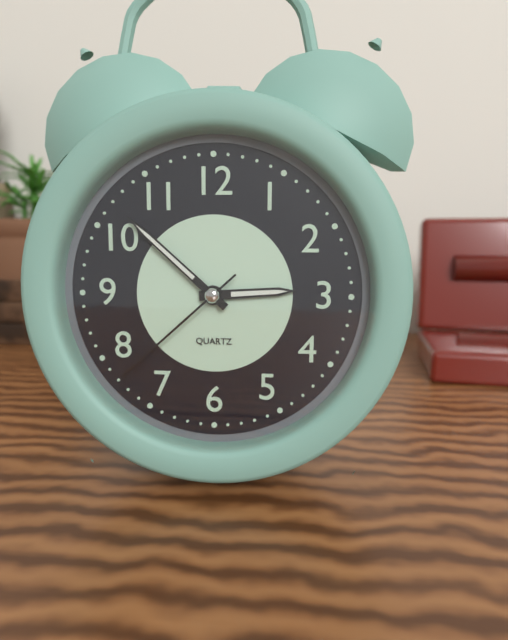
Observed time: **2:52:38**
